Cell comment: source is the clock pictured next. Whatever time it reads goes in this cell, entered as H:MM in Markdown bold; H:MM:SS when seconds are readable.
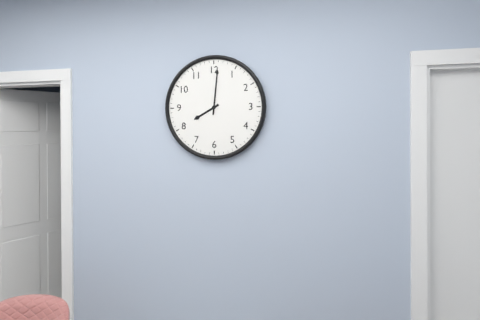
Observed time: **8:01**
